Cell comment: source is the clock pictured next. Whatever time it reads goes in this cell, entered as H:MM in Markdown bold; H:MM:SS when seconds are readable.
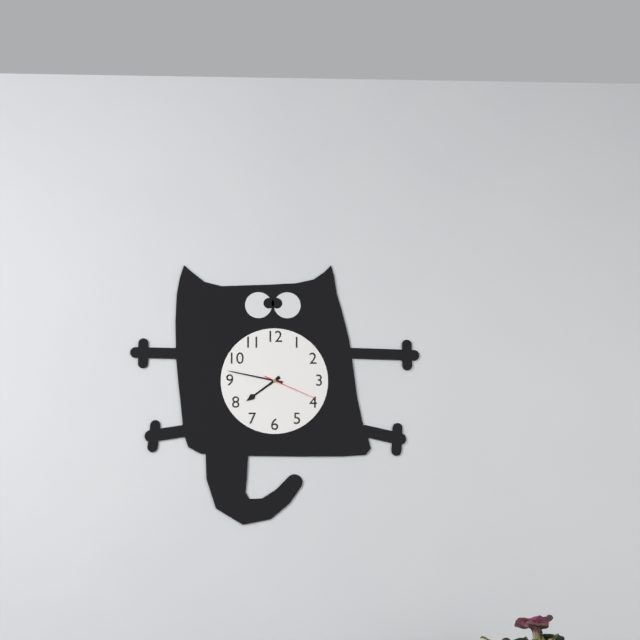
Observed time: **7:47:19**
